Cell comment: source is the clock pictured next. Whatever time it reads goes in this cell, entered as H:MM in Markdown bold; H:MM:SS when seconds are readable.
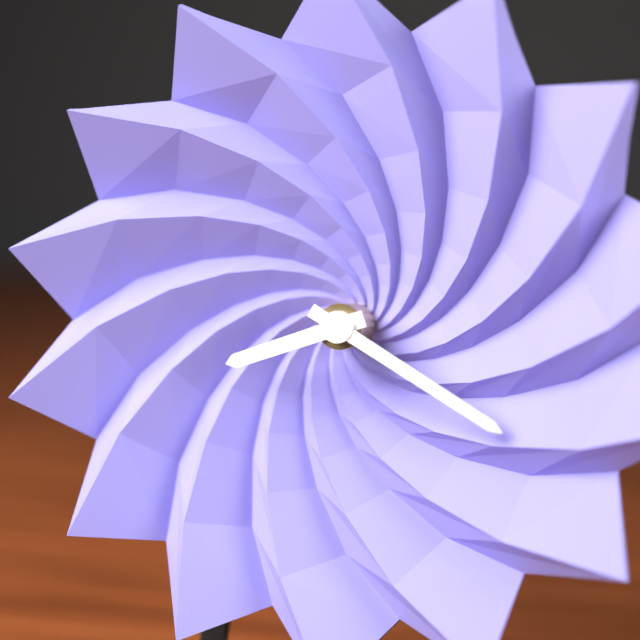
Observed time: **8:20**
